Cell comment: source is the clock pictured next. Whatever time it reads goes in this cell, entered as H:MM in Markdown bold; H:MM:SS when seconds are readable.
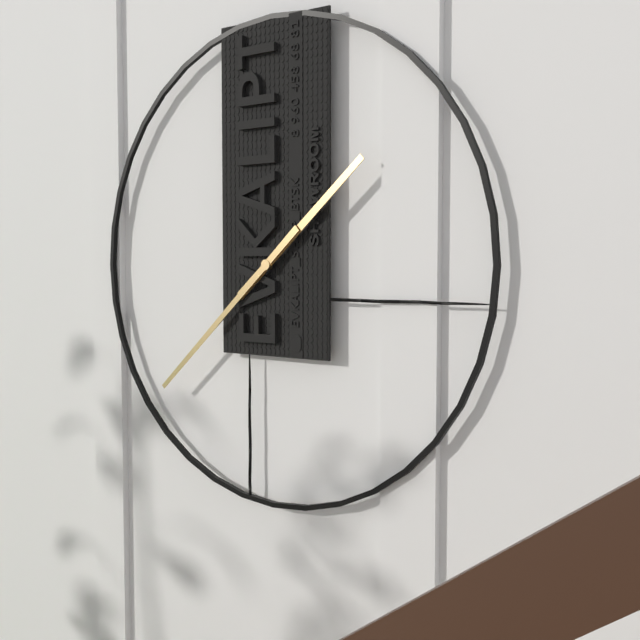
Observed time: **1:38**
